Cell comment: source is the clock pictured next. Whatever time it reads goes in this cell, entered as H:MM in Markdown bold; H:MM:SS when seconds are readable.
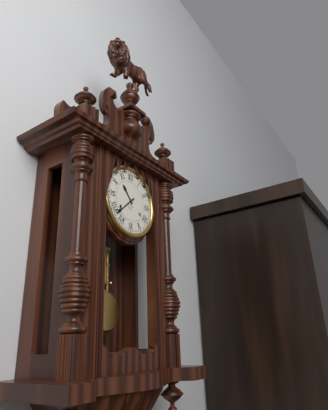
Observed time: **10:38**
